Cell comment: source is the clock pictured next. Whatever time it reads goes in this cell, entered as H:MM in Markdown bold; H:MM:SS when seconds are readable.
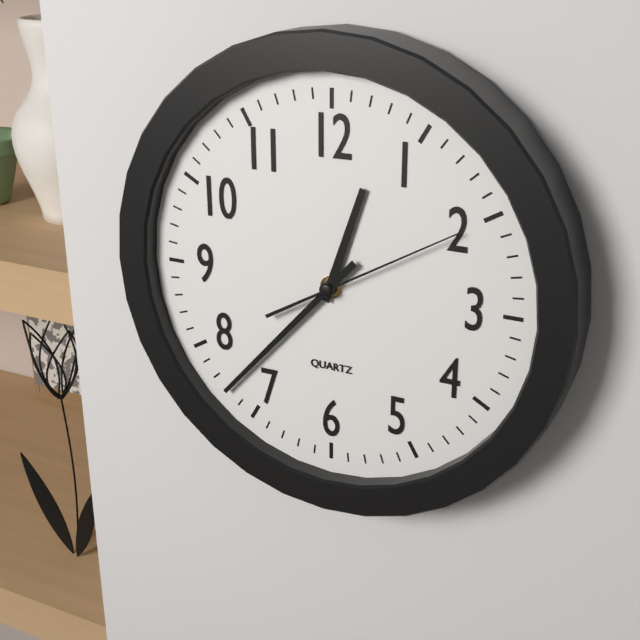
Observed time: **12:37:10**
